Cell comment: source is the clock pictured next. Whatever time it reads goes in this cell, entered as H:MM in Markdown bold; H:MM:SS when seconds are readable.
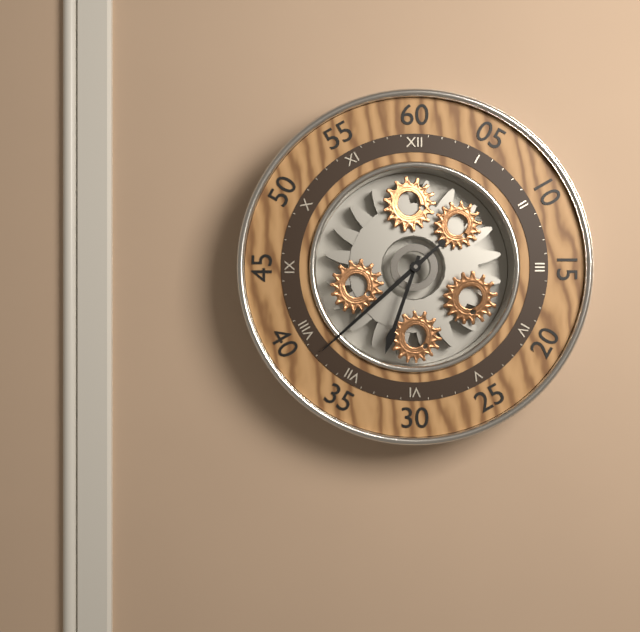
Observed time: **6:38**
